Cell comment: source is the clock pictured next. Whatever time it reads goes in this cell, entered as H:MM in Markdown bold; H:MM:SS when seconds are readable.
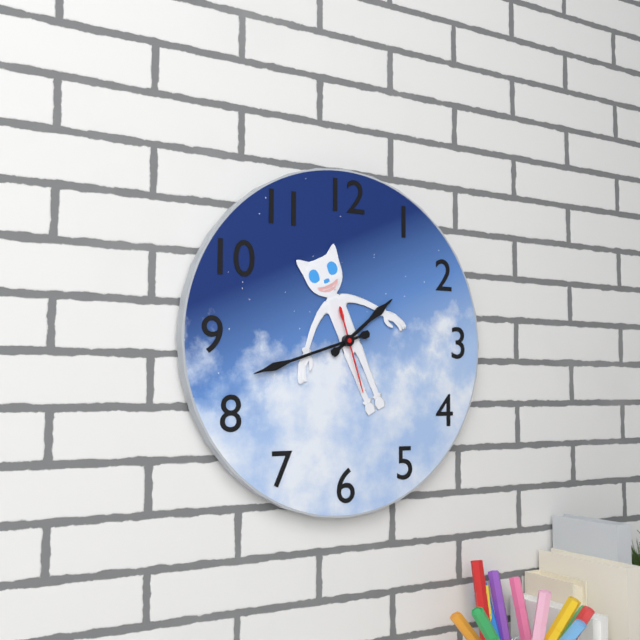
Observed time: **1:42:27**
